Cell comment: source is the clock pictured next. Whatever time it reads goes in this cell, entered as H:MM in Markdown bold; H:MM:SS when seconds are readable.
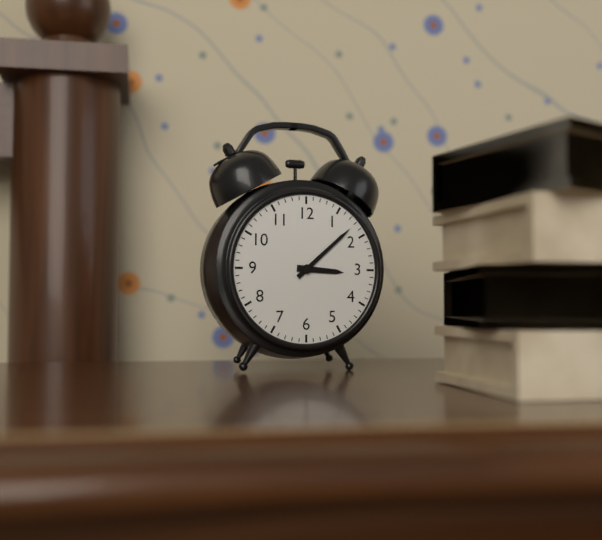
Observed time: **3:08**
